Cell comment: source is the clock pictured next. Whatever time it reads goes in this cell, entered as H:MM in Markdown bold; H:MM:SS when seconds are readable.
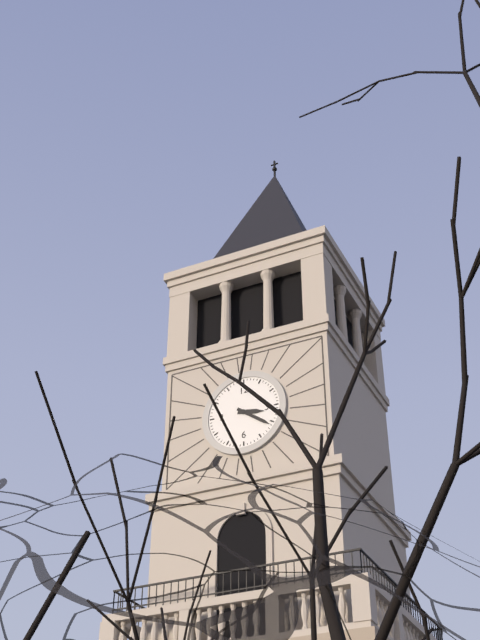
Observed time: **3:21**
